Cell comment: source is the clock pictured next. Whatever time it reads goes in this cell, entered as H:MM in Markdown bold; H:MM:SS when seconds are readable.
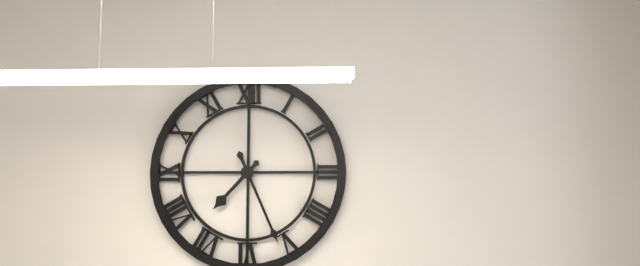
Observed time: **7:26**
